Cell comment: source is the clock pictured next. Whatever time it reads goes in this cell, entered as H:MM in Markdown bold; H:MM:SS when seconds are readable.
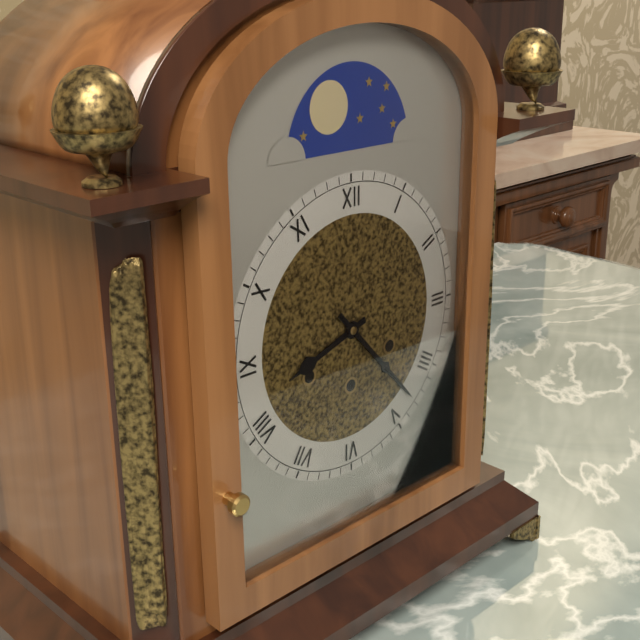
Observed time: **8:23**
